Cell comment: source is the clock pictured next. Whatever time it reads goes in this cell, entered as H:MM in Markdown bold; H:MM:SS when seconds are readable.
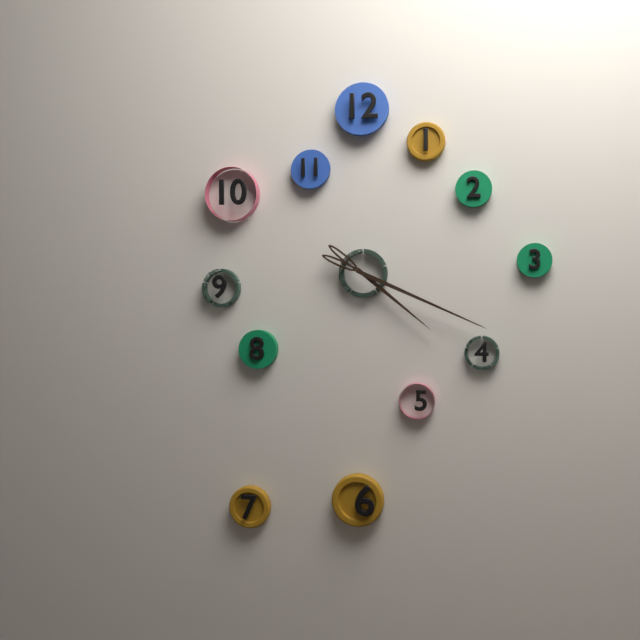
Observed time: **4:19**
